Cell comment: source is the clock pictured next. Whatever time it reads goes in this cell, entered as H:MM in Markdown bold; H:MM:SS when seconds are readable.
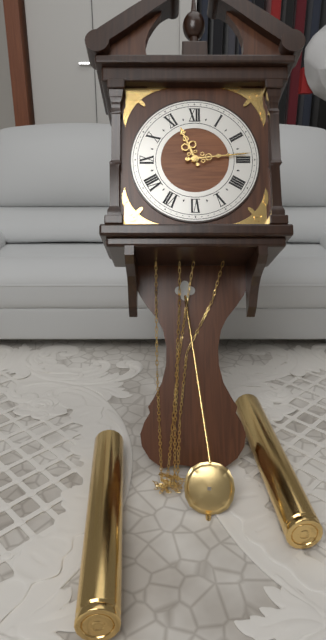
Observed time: **11:14**
